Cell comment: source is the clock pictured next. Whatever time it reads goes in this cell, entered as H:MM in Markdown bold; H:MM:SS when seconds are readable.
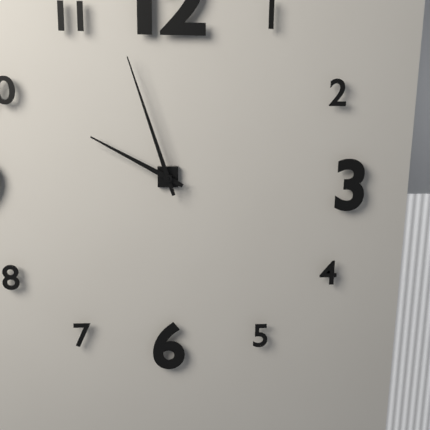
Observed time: **9:57**
